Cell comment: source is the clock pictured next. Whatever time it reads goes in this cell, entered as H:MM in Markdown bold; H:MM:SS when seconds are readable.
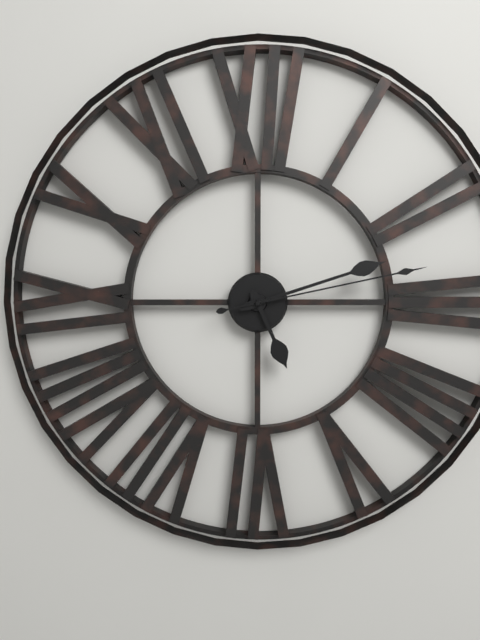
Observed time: **5:12:13**
